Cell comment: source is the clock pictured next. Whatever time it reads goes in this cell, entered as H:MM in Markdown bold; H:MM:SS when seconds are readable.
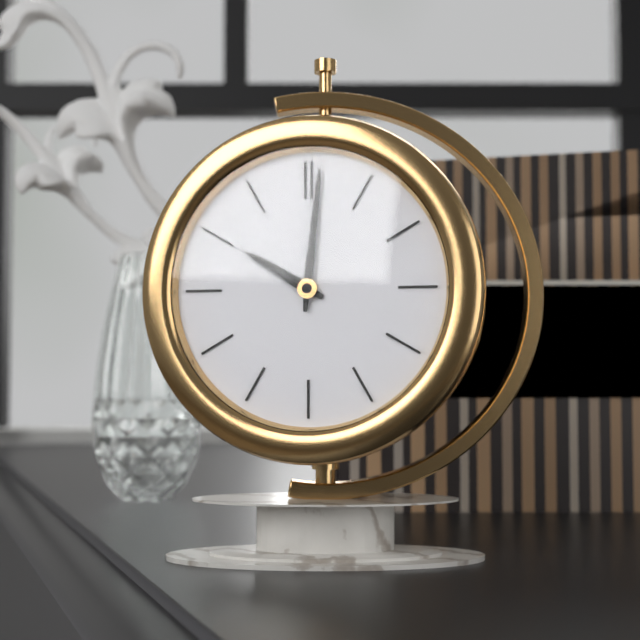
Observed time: **10:01**
